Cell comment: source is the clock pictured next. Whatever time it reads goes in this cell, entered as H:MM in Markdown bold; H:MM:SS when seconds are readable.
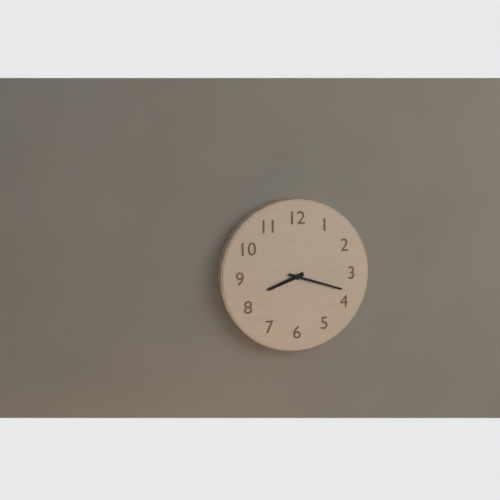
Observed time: **8:18**
